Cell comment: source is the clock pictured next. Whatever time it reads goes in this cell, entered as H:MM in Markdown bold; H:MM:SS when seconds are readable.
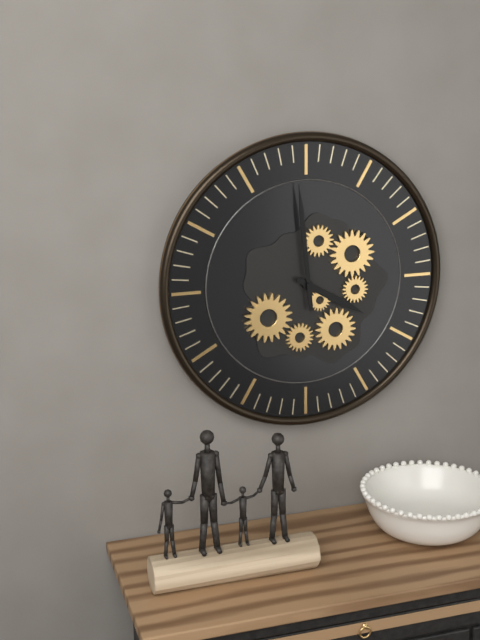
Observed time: **3:59**
